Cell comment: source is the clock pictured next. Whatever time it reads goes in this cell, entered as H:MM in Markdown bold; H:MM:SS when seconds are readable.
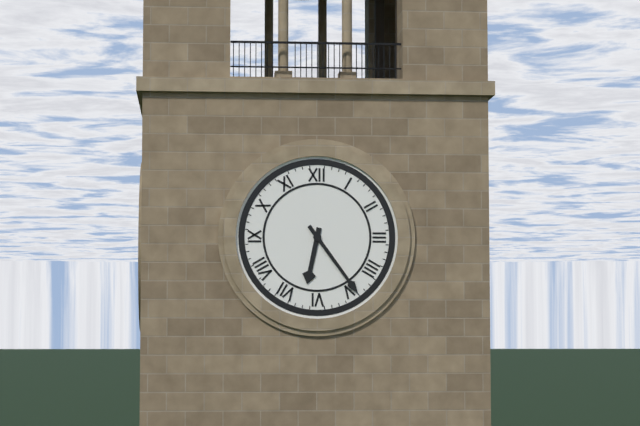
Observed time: **6:24**
